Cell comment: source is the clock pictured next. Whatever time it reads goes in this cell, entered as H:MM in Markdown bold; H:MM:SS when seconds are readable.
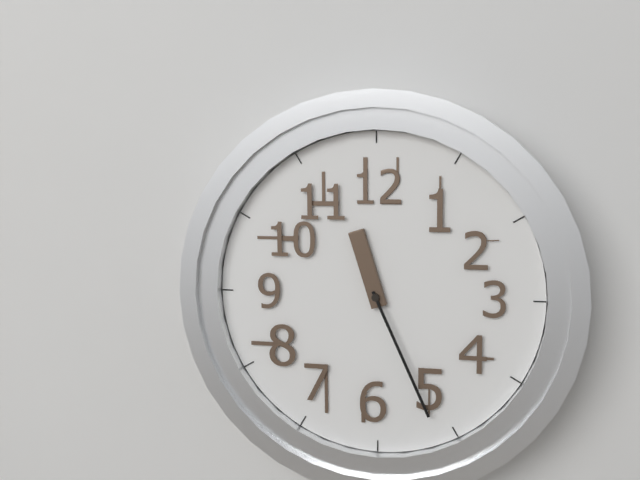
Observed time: **11:26**
